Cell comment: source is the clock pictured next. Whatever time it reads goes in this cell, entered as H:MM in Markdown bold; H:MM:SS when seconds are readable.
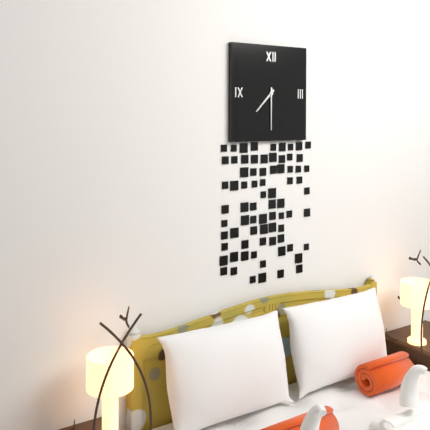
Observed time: **7:30**
